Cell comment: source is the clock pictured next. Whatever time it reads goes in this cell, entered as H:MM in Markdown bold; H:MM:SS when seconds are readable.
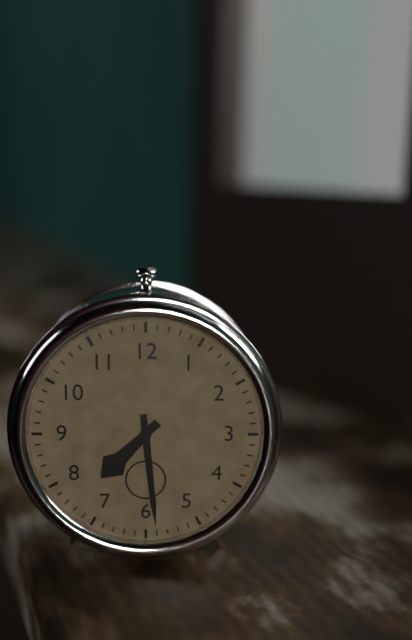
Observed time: **7:29**
